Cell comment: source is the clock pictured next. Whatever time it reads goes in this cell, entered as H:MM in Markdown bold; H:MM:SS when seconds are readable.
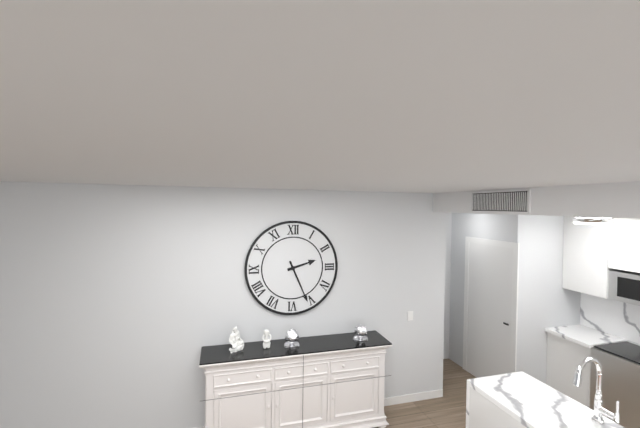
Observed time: **2:26**
